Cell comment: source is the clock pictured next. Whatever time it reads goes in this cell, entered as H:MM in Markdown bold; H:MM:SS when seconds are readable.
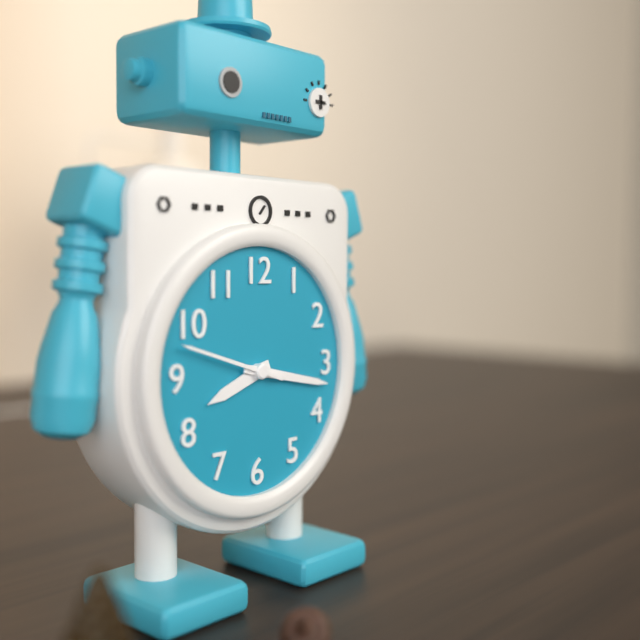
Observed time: **8:17:48**
